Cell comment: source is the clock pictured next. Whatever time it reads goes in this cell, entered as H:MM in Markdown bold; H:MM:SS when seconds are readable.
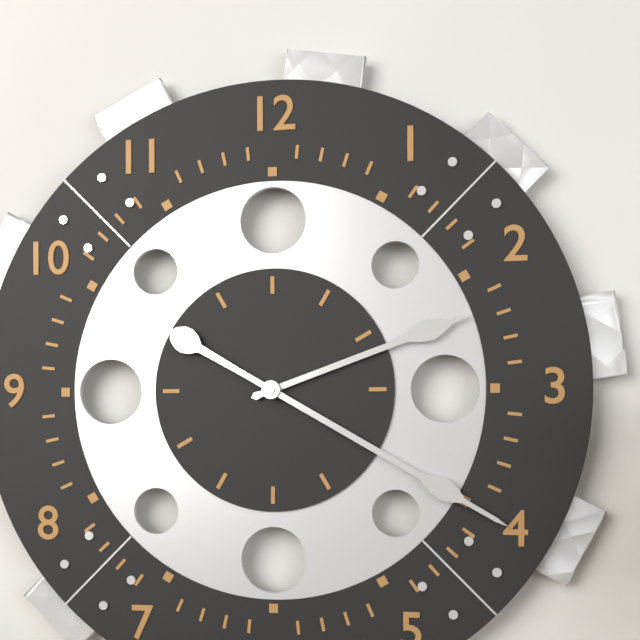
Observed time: **2:20**
